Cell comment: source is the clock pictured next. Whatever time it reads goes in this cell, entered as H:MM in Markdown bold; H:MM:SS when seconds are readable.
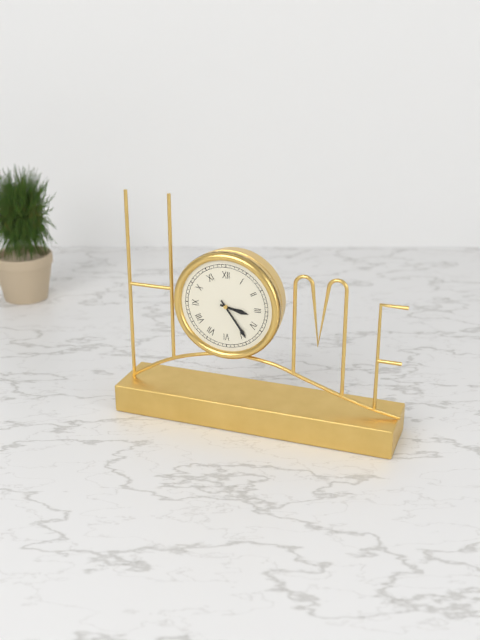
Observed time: **3:24**
